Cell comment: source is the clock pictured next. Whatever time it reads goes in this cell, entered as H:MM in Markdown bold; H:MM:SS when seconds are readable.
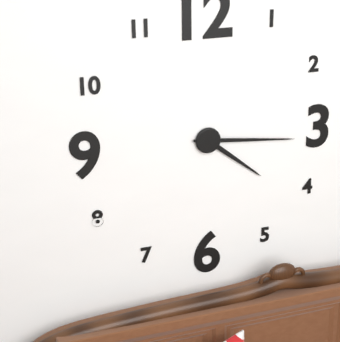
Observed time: **4:16**
